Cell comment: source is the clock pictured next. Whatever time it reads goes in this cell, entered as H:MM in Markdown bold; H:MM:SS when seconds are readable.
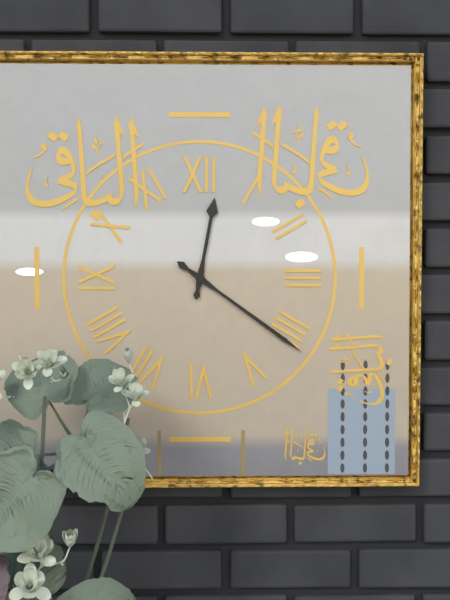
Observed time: **12:21**
